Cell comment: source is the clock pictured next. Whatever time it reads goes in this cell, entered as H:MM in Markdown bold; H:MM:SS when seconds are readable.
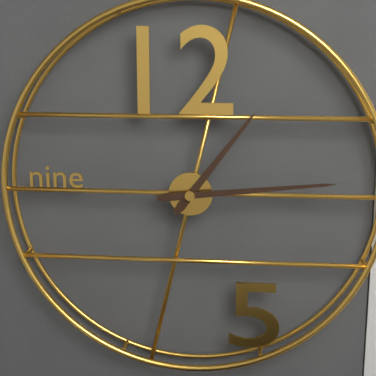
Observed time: **1:14**
